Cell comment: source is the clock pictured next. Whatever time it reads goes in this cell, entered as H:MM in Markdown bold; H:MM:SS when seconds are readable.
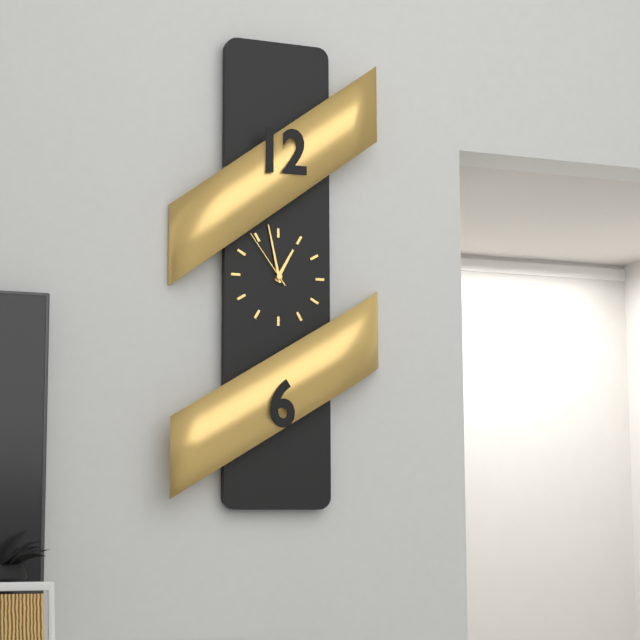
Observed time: **12:58:54**
